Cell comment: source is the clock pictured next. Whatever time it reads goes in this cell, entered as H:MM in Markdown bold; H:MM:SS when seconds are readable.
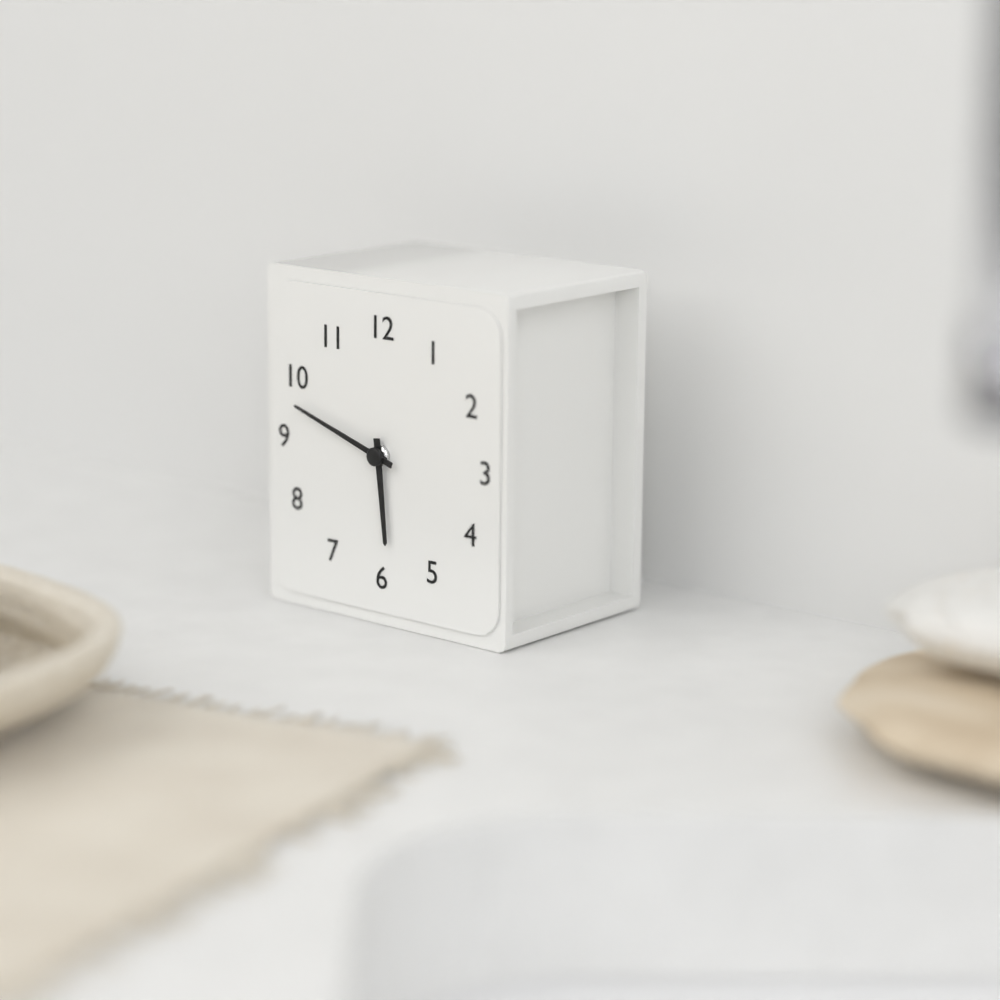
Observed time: **5:48**
